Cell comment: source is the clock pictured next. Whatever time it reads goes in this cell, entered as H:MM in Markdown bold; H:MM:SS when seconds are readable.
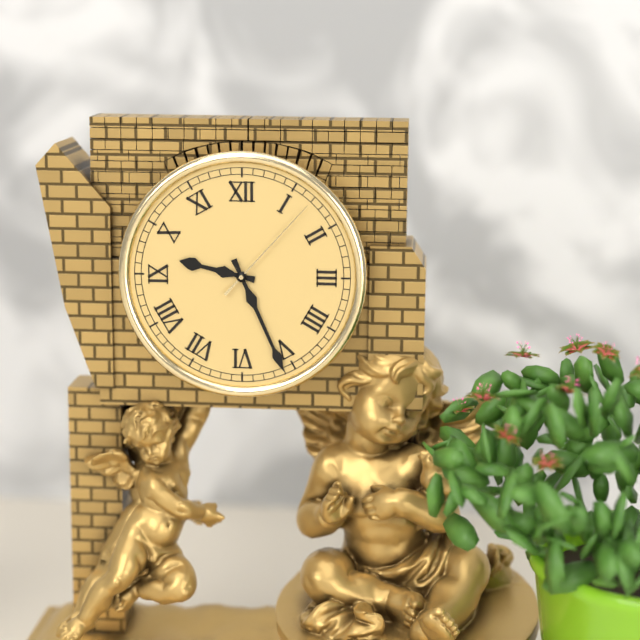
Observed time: **9:26:07**
